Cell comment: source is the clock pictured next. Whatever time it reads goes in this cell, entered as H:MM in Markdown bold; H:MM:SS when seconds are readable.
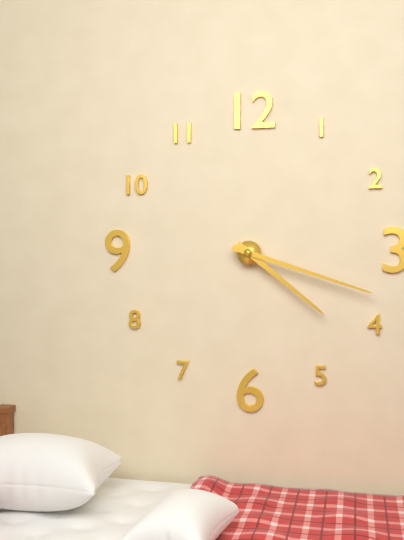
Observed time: **4:18**
